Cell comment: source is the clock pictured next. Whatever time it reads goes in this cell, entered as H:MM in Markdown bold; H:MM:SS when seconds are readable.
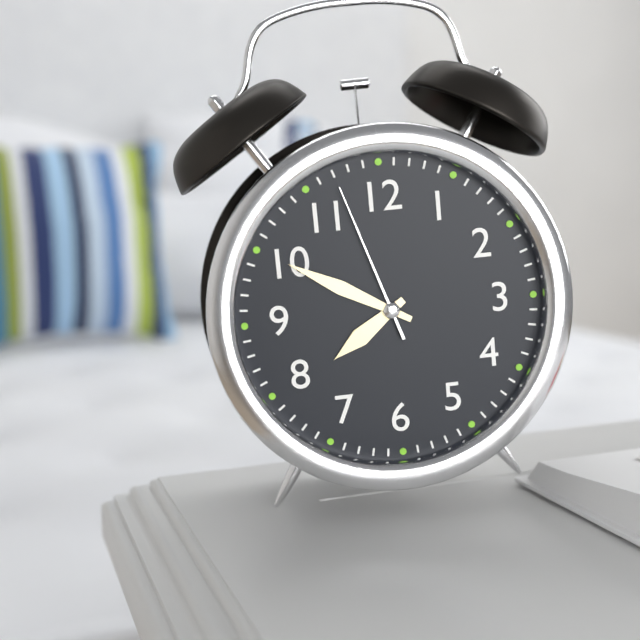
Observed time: **7:50:57**
